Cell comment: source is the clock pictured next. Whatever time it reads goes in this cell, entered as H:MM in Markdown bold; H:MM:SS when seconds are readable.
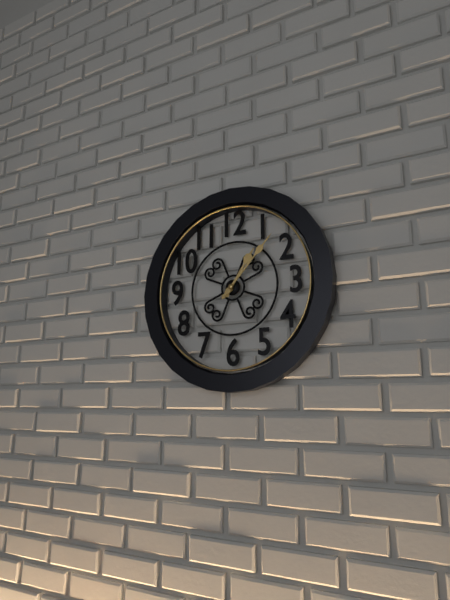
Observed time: **1:07**
